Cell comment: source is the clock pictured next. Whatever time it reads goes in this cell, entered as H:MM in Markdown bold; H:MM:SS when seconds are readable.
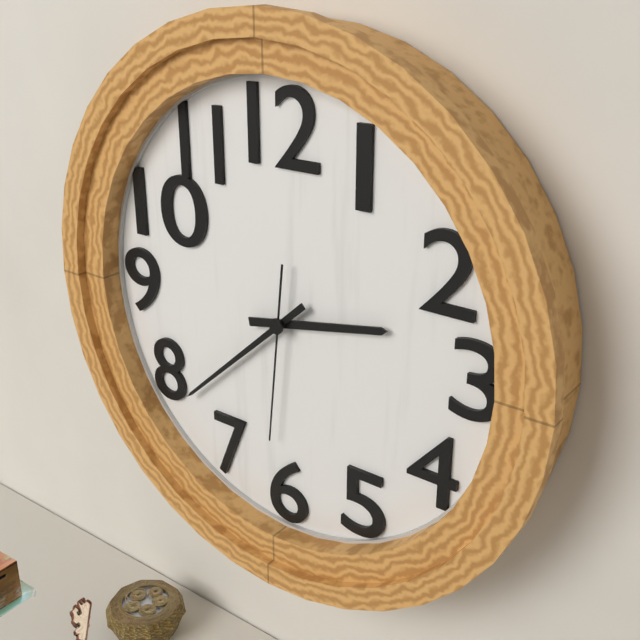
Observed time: **2:38:31**
